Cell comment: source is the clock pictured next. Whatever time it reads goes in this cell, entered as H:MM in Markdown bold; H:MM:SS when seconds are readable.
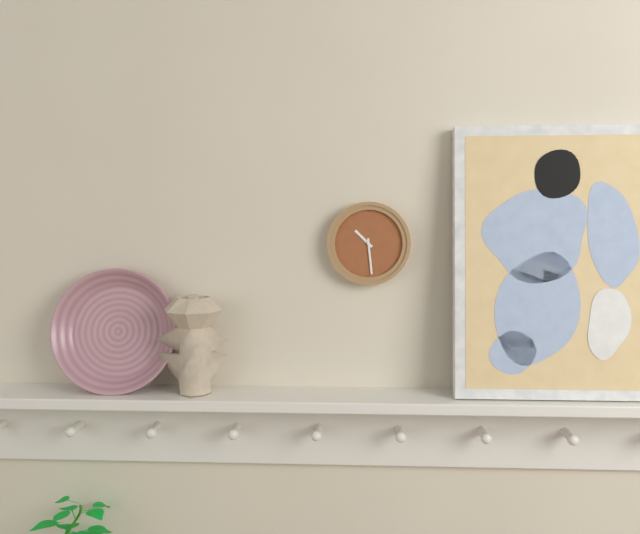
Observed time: **10:29**
